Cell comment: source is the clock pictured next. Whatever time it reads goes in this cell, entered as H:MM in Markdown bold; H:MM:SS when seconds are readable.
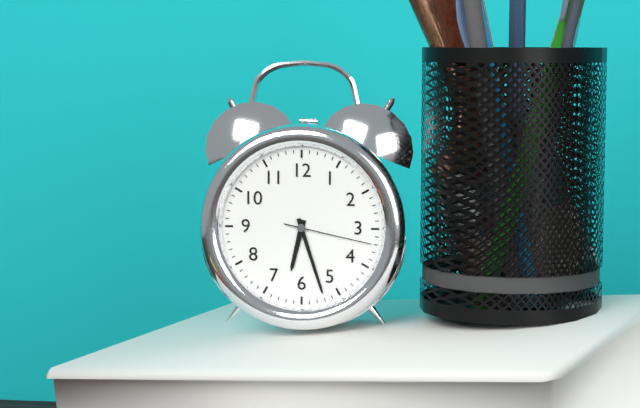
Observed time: **6:27:17**
